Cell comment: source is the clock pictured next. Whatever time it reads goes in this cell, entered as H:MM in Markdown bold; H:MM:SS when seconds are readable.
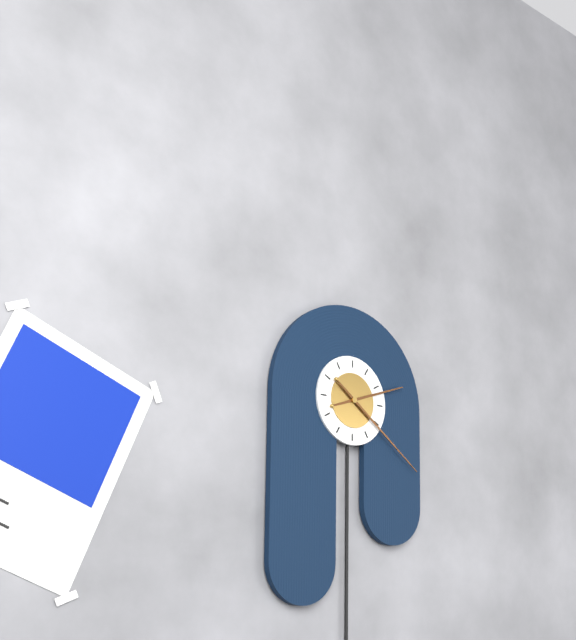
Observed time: **2:21**
